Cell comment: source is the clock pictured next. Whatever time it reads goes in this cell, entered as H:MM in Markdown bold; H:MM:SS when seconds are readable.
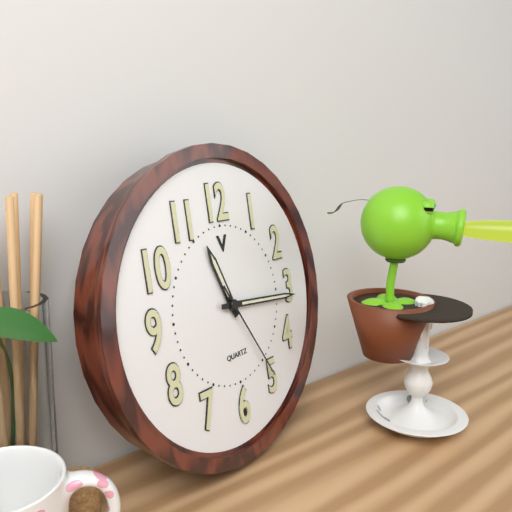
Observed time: **11:16:25**
